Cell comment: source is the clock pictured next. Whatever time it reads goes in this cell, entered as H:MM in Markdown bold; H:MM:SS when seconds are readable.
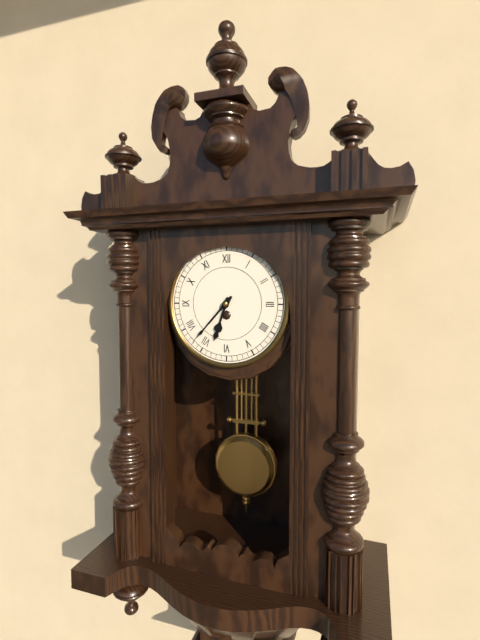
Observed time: **6:37**
